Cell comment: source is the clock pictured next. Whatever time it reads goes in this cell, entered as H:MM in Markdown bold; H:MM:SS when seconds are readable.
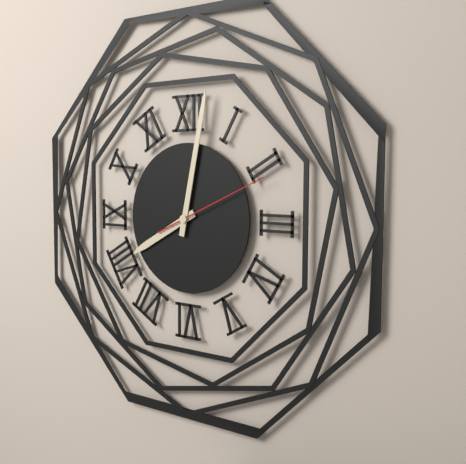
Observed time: **8:02:11**
